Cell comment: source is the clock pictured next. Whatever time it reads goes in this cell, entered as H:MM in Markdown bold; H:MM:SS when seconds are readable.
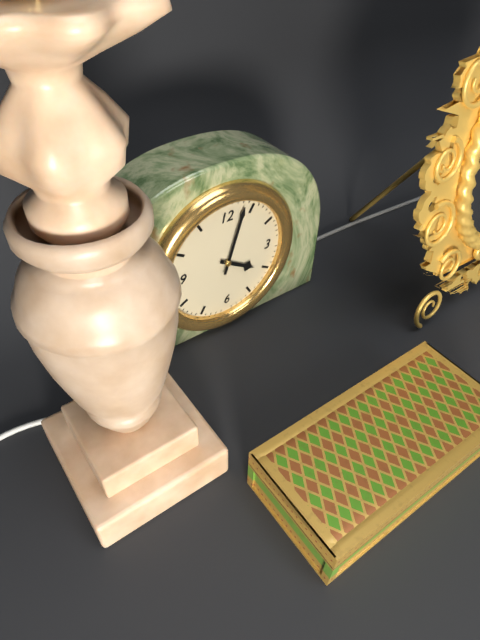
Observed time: **4:03**
